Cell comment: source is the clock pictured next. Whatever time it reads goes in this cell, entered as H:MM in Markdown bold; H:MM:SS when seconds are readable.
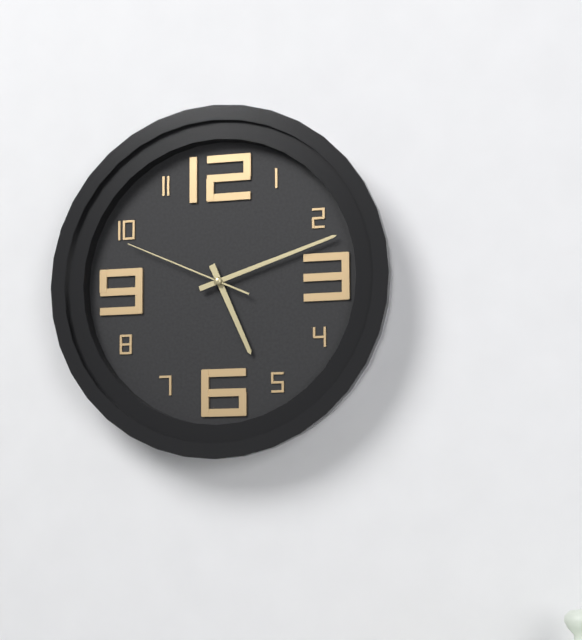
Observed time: **5:12:49**
